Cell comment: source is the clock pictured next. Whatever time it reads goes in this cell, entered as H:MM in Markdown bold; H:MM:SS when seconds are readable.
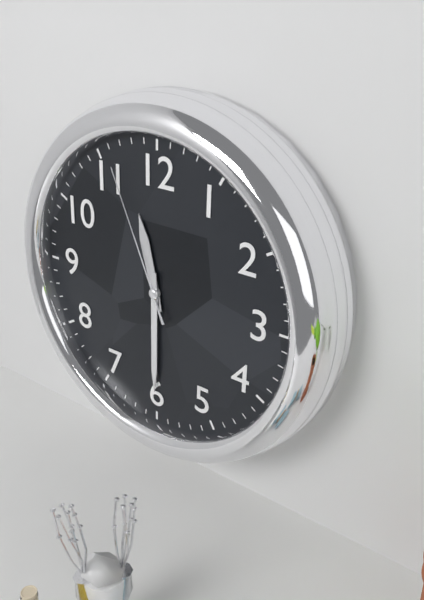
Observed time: **11:30:56**
